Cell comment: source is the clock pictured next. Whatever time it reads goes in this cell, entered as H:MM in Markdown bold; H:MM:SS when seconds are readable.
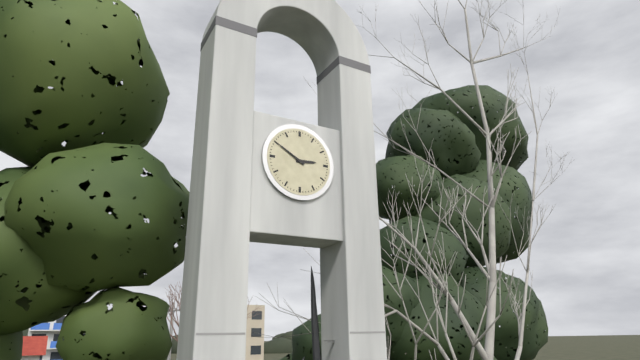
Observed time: **2:50**
